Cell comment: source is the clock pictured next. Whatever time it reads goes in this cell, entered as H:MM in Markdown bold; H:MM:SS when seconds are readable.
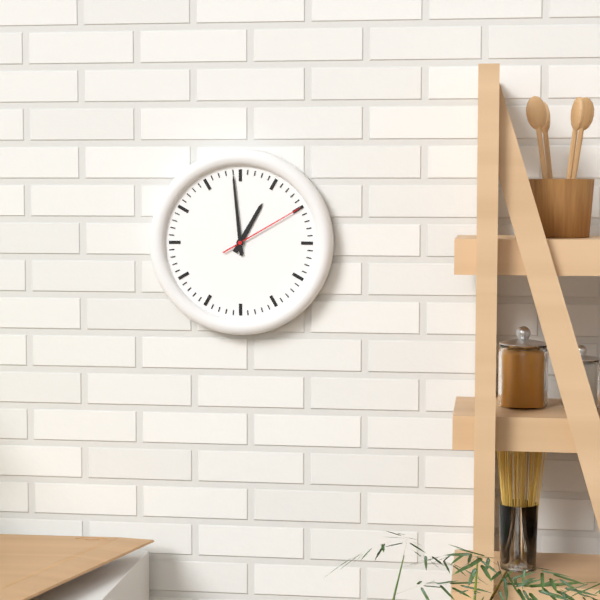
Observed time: **12:59:10**
